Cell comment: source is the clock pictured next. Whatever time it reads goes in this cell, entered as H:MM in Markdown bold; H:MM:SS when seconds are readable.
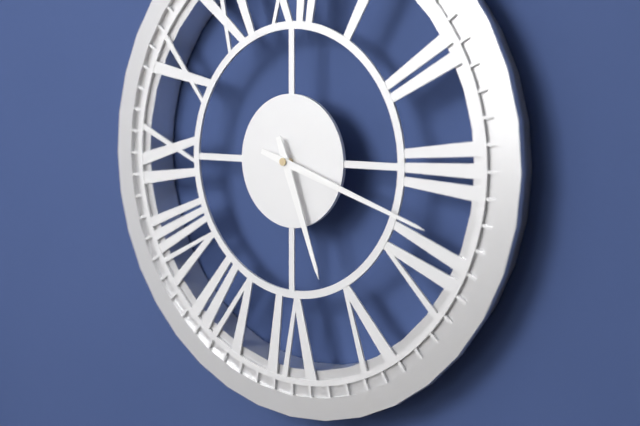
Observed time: **5:18**
